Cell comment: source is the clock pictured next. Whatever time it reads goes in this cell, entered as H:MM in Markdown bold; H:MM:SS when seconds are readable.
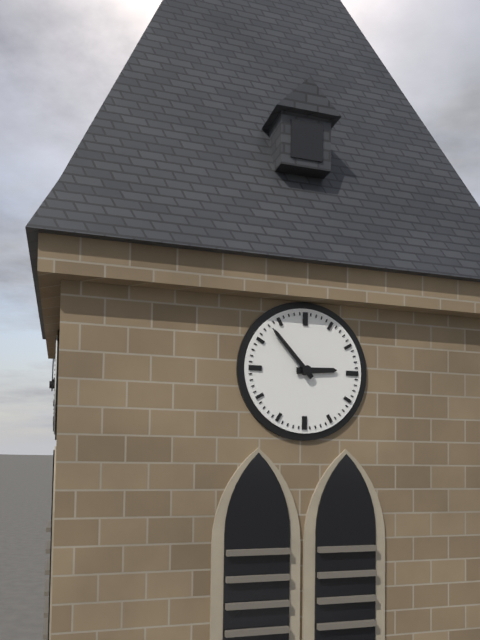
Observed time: **2:53**
